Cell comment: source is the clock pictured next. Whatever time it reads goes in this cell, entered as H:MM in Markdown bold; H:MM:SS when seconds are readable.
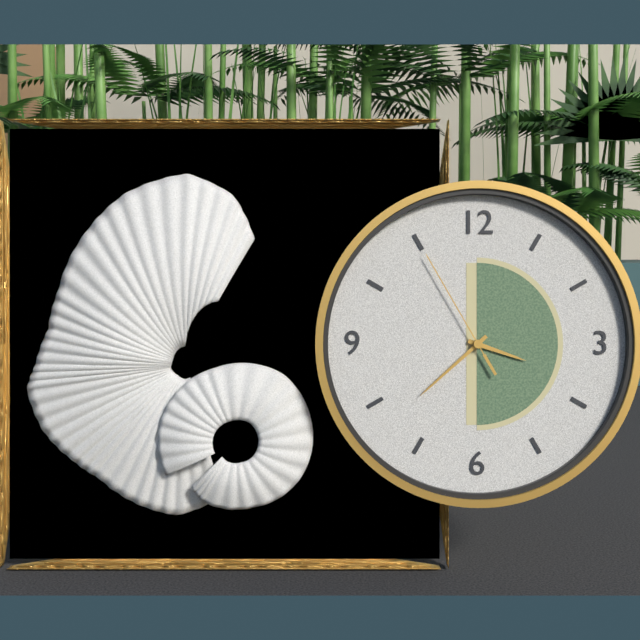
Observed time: **3:38:55**
